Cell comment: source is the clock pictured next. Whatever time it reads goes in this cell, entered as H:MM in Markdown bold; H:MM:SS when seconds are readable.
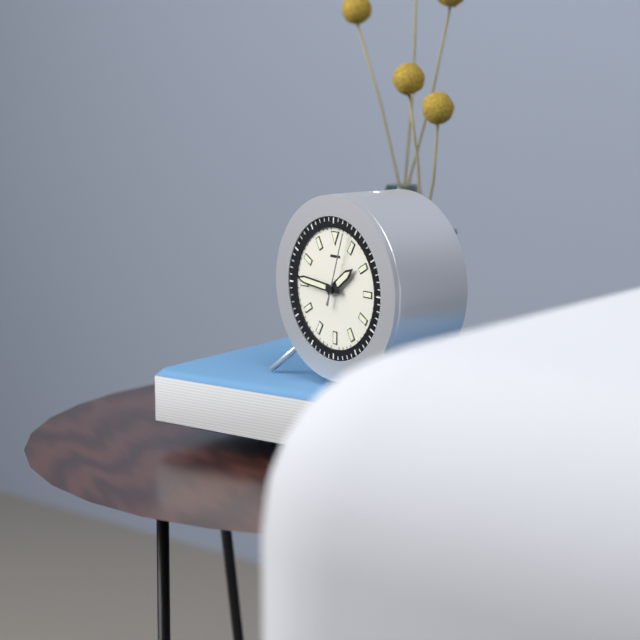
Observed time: **1:46:03**
